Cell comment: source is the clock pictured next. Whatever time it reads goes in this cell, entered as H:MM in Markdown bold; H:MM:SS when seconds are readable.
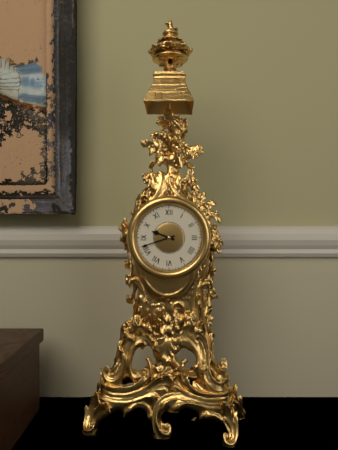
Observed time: **9:42**
